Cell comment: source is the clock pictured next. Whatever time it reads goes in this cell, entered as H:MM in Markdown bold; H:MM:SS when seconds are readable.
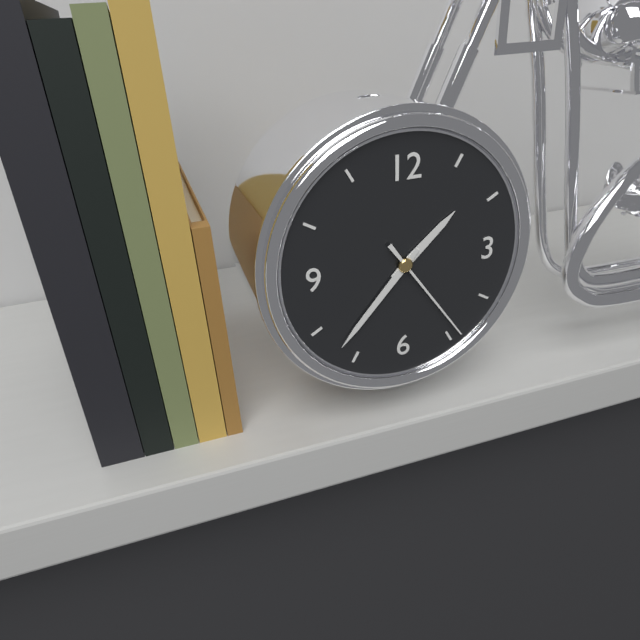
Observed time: **1:37:24**
